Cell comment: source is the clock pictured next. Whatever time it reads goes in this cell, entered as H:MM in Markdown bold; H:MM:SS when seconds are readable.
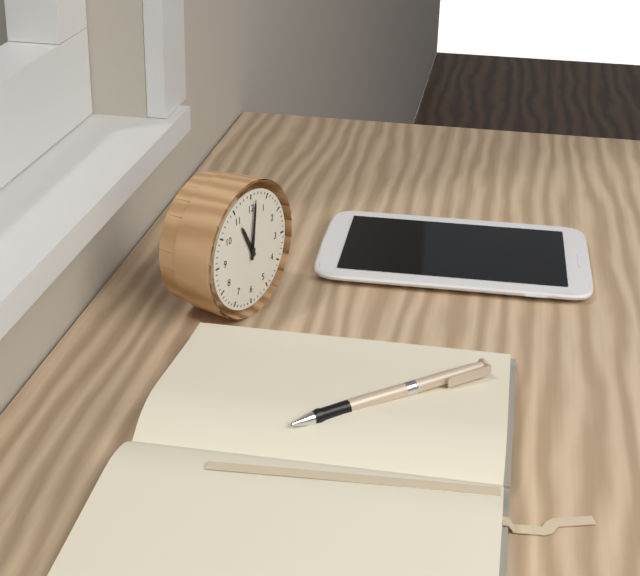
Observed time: **11:01**
